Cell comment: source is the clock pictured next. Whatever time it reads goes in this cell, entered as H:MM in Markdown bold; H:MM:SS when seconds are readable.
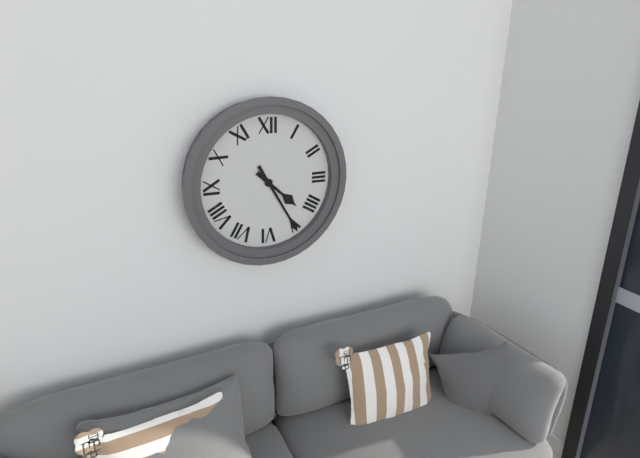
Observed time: **4:25**
